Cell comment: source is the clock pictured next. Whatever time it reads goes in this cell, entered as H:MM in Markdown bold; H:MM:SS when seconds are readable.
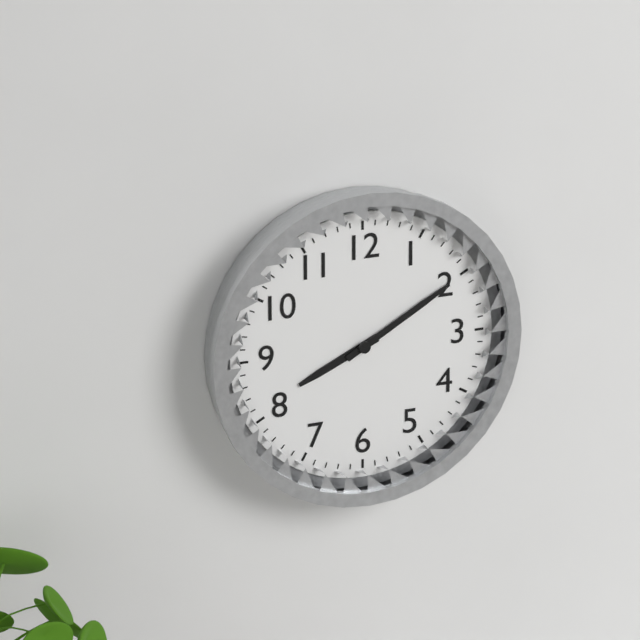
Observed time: **8:10**
